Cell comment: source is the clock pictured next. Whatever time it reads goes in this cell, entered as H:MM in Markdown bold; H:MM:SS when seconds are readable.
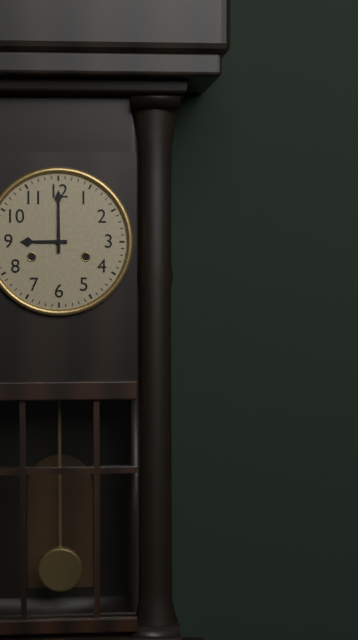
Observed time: **9:00**
